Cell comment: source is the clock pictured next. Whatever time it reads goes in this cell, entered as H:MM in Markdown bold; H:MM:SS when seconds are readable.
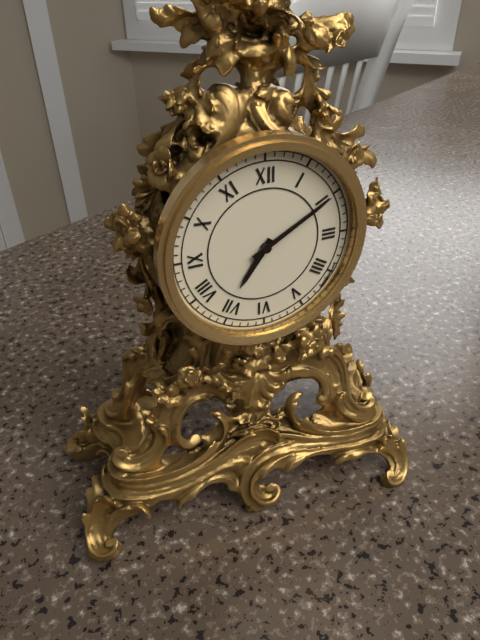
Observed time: **7:10**
